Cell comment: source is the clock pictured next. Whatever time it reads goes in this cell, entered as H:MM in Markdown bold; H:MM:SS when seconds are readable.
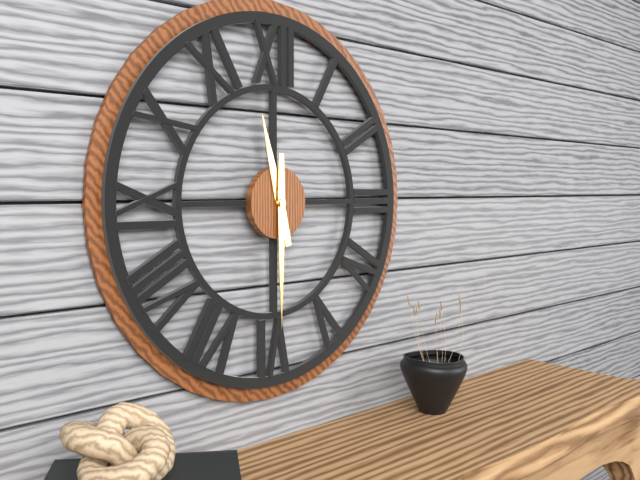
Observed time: **11:30**
